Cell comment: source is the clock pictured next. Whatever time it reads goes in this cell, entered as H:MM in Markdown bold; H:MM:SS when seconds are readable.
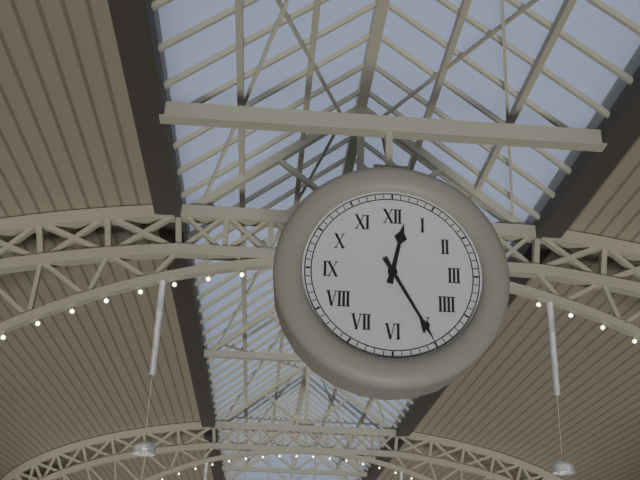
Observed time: **12:25**
